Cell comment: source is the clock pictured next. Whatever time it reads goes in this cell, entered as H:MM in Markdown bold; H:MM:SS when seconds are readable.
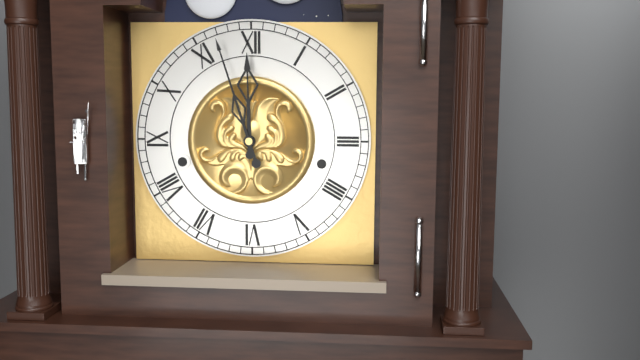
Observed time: **11:57**
